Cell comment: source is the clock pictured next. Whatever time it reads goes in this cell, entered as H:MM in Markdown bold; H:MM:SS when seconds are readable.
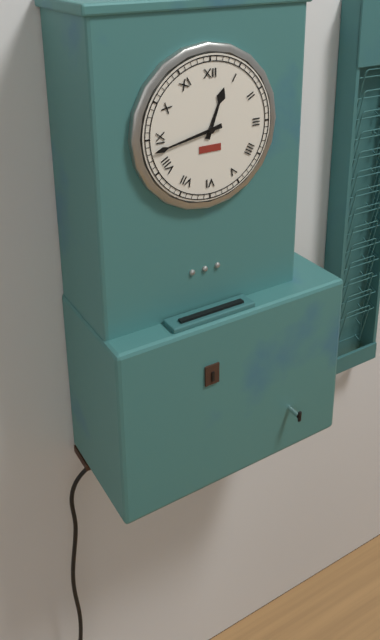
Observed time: **12:43**
